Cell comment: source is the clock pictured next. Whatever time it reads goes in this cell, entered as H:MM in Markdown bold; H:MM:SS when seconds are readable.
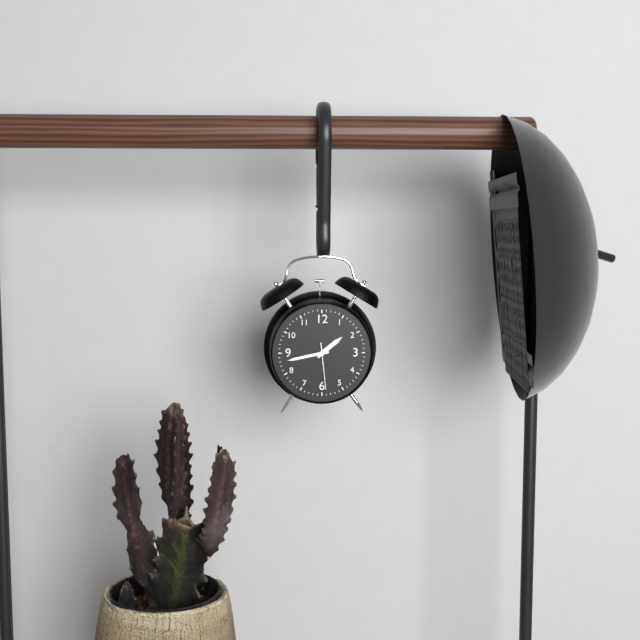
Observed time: **1:43**
